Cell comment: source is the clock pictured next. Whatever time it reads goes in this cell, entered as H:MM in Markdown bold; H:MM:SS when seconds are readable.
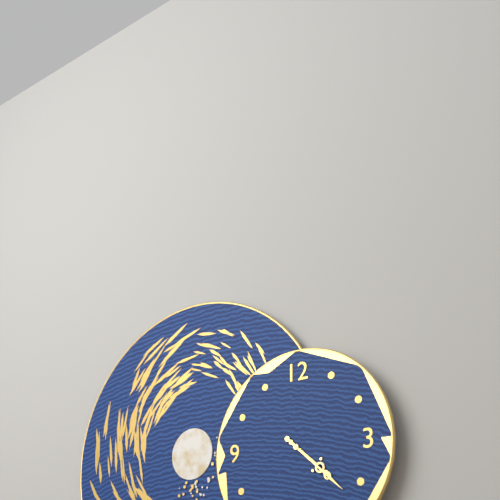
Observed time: **4:22**
